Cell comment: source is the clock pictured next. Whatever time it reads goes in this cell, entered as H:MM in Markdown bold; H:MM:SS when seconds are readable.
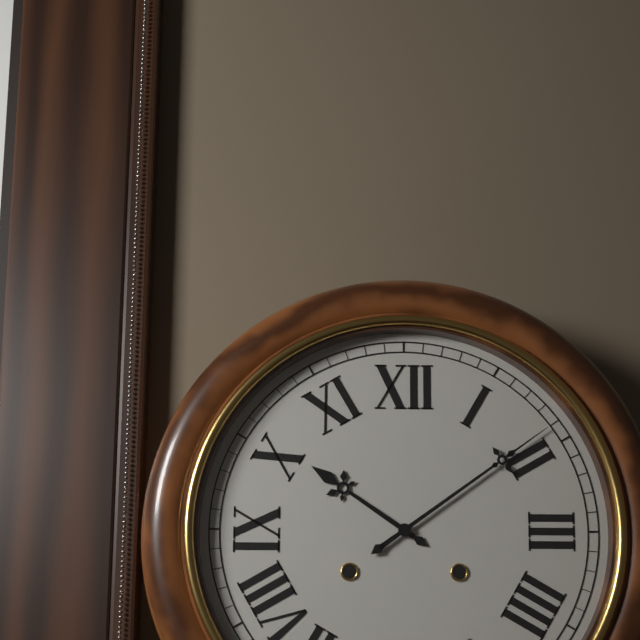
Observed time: **10:09**
